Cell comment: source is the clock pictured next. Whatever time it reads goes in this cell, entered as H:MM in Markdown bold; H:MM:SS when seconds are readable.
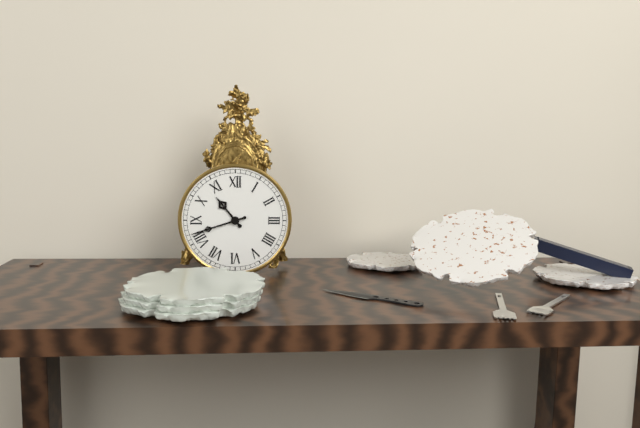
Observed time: **10:42**
